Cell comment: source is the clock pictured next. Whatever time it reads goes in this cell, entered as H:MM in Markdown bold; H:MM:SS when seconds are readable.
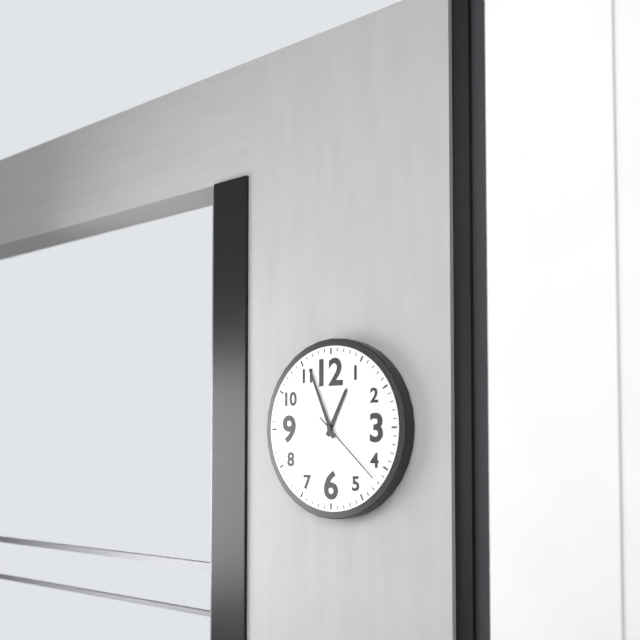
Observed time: **12:56:22**
